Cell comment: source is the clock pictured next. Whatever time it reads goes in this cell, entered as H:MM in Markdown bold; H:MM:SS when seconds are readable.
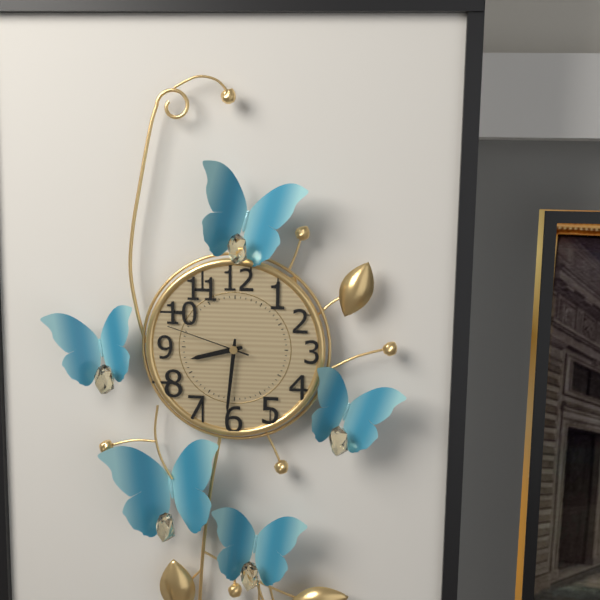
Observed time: **8:31:48**
